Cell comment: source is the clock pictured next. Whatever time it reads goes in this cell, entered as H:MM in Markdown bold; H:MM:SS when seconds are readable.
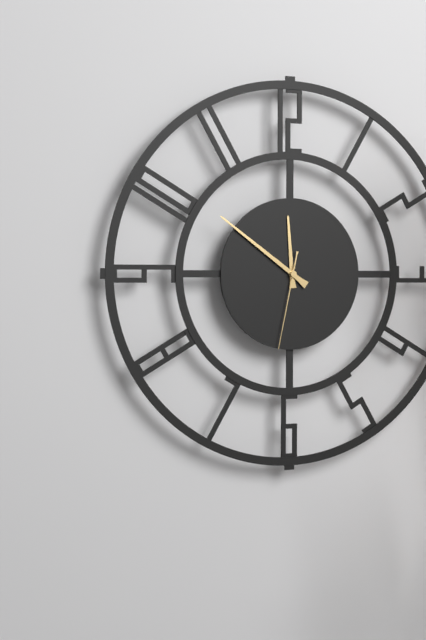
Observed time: **11:51:32**
